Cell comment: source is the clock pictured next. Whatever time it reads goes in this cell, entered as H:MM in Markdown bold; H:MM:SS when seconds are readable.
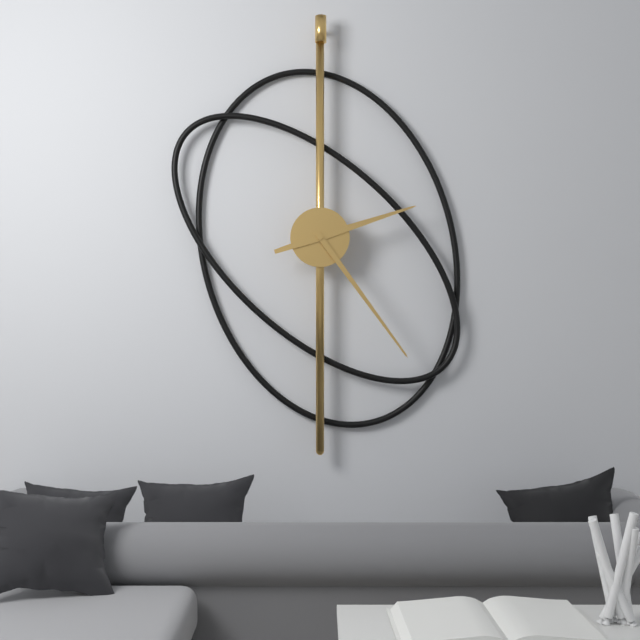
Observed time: **2:24**
